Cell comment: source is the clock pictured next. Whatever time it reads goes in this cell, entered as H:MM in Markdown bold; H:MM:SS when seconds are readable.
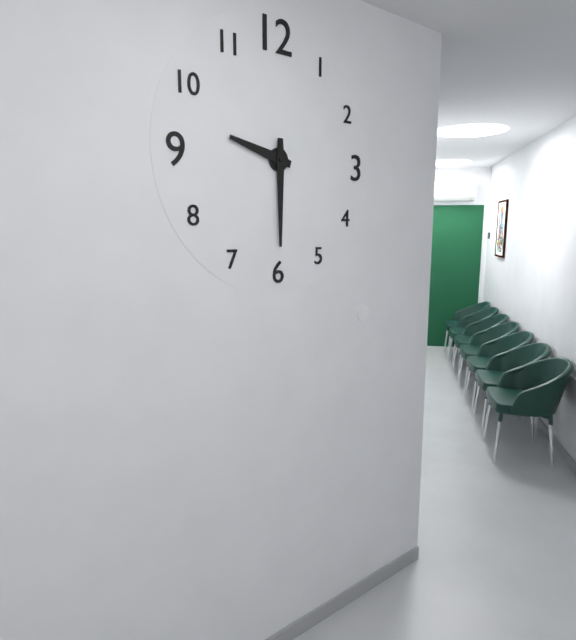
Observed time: **9:30**
